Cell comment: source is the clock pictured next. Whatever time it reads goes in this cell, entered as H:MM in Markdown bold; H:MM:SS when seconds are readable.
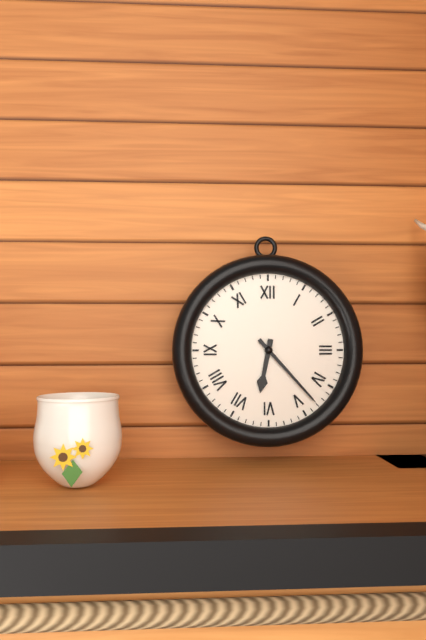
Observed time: **6:23**
